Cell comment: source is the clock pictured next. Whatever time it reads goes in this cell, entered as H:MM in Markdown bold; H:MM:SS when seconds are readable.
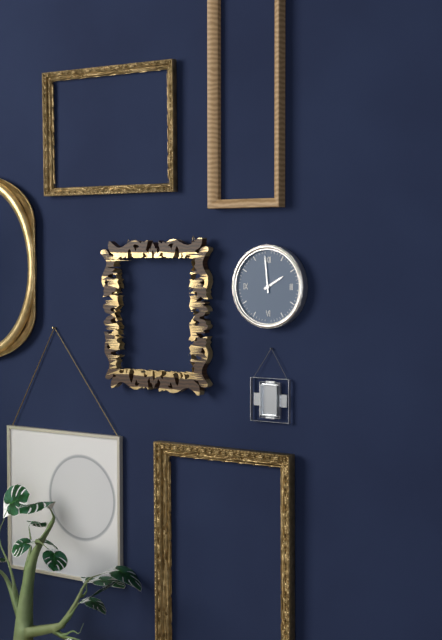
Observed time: **1:59**
